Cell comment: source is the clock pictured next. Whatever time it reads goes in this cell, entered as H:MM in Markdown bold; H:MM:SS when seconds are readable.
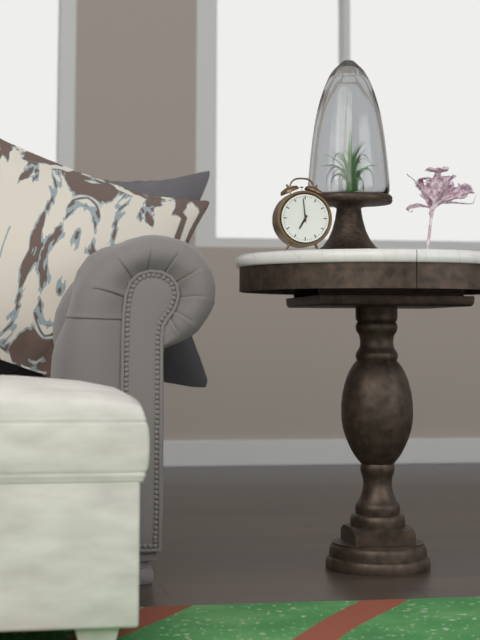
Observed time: **6:59**
